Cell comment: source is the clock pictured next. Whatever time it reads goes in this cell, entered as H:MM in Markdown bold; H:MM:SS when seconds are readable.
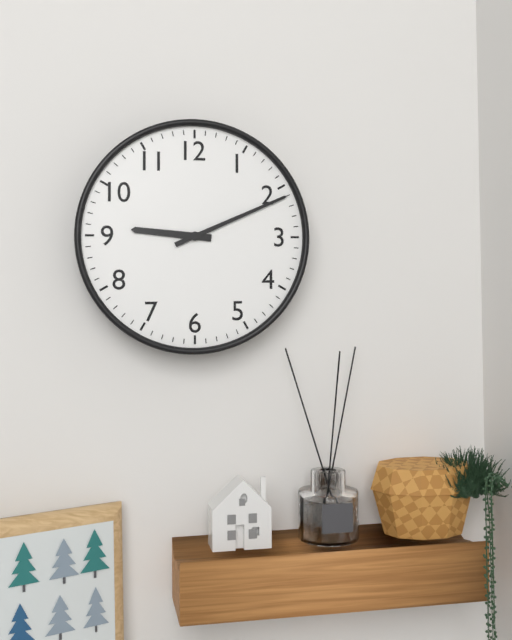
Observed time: **9:11**
